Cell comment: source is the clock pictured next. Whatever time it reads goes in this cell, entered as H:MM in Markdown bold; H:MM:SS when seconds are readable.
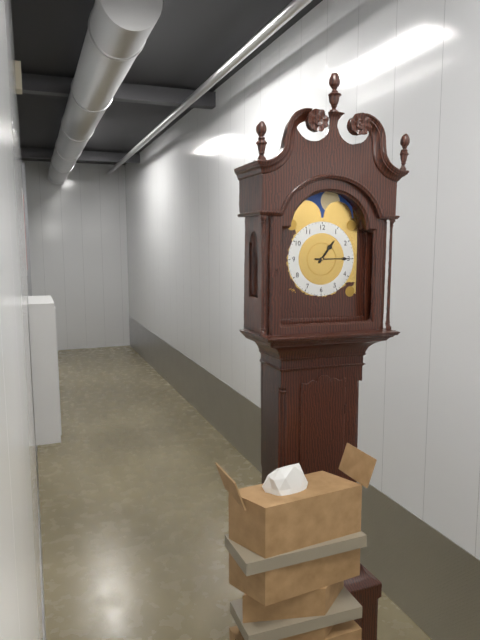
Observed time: **1:15**
